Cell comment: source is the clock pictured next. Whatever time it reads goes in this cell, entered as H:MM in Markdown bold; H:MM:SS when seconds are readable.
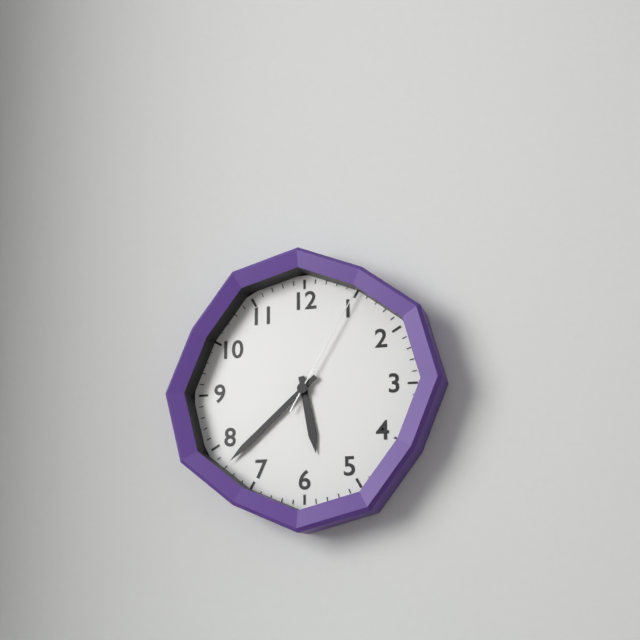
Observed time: **5:38:05**
